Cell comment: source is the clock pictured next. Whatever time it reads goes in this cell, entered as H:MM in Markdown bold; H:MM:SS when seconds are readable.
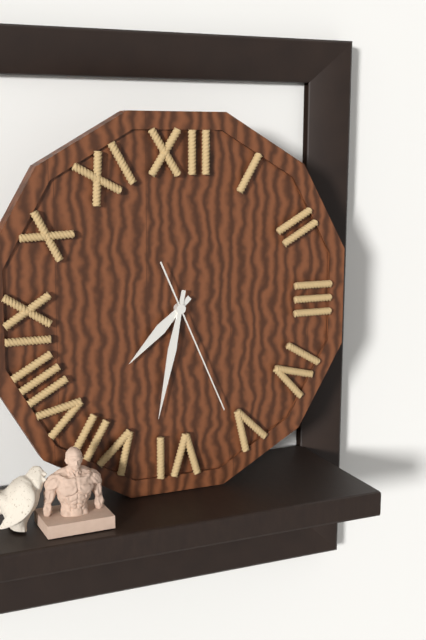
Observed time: **7:32:26**
